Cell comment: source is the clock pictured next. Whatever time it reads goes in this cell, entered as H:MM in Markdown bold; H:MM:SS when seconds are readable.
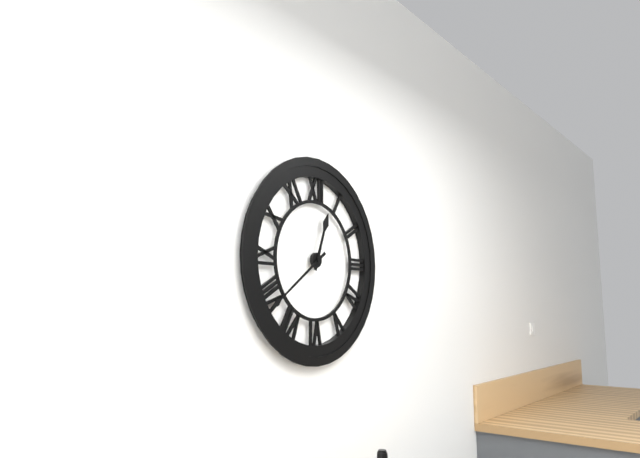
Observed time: **12:39**
